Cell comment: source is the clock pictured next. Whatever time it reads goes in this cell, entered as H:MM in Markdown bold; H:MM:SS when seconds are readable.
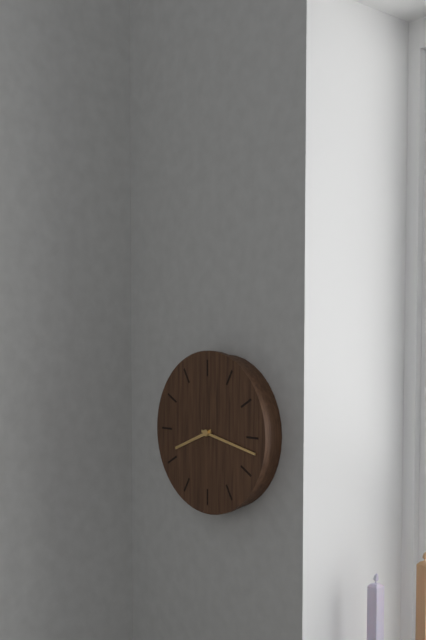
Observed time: **8:17**
